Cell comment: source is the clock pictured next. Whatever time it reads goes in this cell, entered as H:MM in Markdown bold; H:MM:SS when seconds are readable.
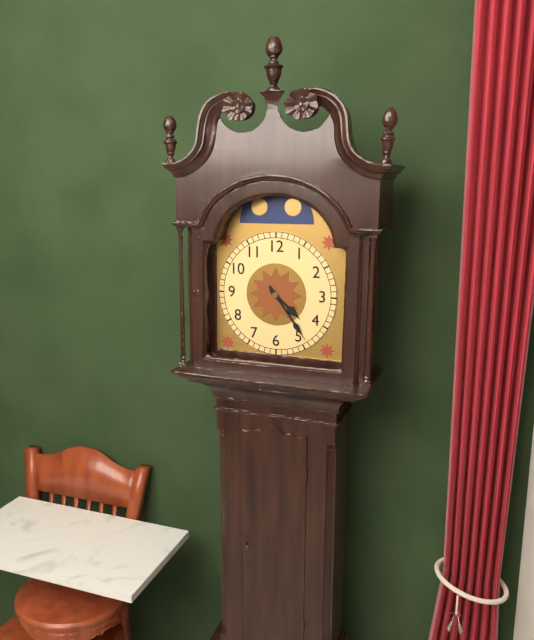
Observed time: **4:24**
